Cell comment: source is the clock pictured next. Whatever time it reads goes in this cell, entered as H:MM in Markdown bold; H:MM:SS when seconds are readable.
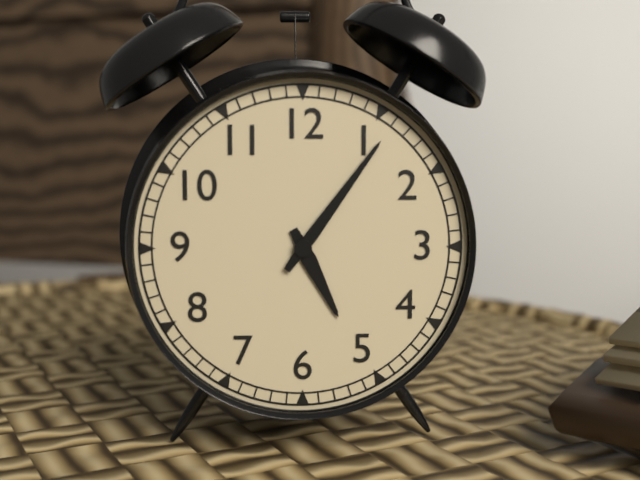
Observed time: **5:06**
